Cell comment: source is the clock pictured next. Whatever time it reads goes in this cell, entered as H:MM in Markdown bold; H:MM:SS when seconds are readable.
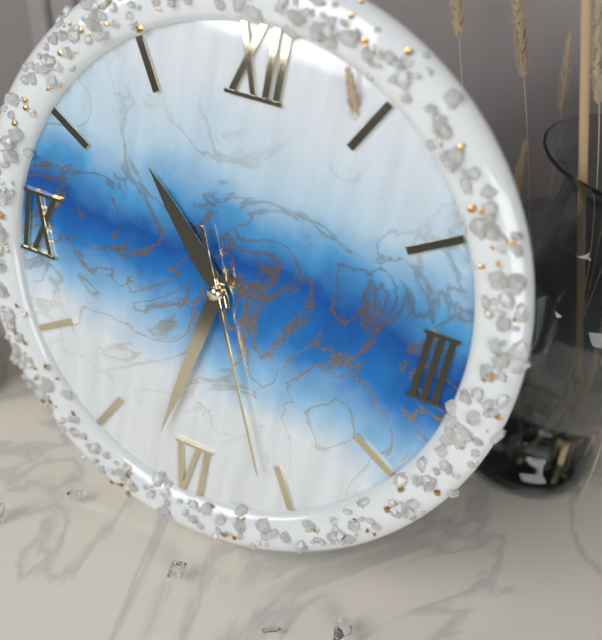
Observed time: **10:32:26**
